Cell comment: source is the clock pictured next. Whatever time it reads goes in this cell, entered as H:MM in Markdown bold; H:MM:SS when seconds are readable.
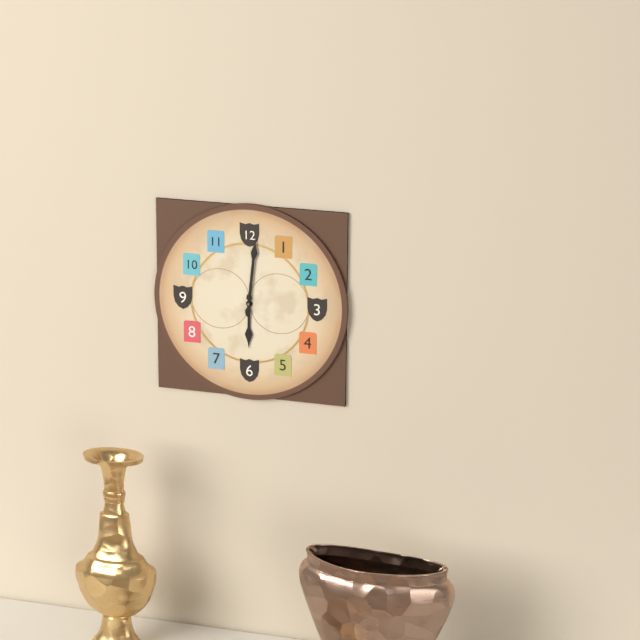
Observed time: **6:01**
